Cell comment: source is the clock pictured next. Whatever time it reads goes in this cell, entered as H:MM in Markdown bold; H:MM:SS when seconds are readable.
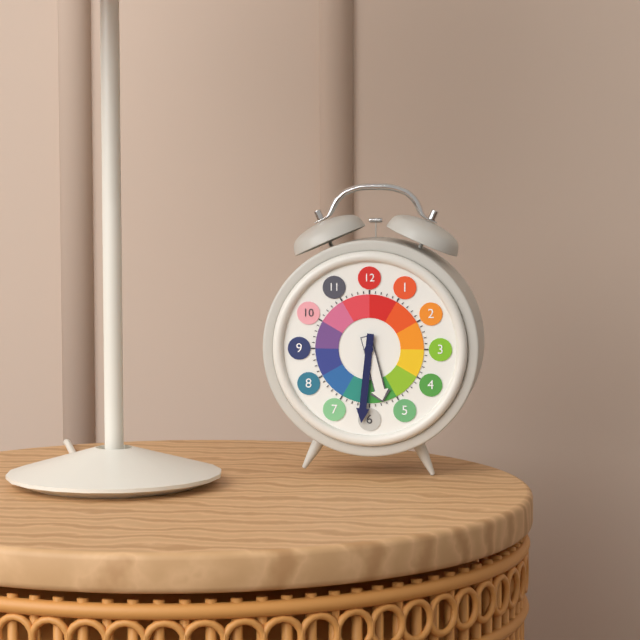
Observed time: **5:31**
